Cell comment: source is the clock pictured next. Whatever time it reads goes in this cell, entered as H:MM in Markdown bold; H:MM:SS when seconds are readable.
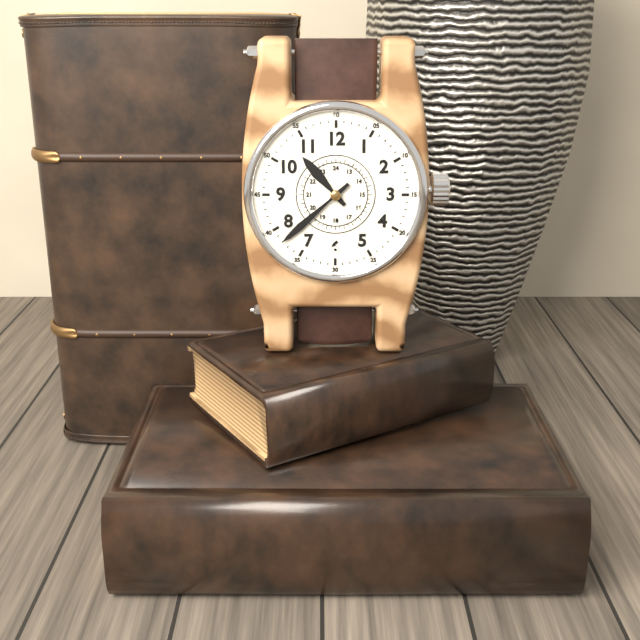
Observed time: **10:38**
